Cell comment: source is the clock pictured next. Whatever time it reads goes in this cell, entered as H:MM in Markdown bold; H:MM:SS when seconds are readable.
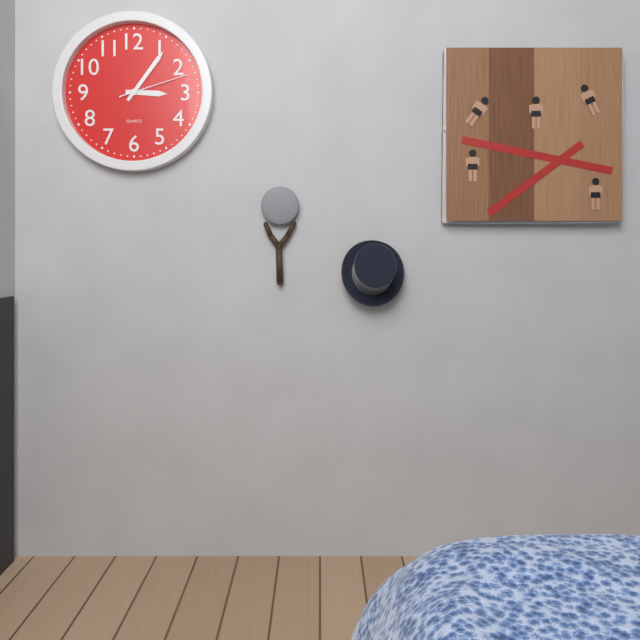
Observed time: **3:06:12**
